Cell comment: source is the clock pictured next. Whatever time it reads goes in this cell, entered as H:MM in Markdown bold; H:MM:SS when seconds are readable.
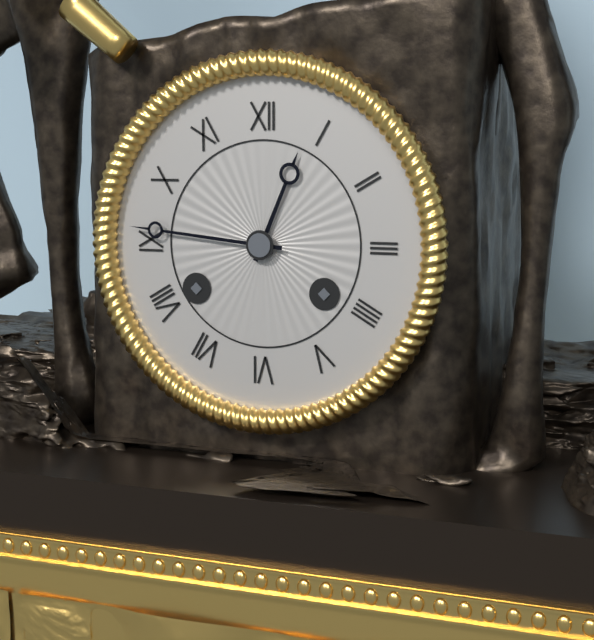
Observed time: **12:46**
